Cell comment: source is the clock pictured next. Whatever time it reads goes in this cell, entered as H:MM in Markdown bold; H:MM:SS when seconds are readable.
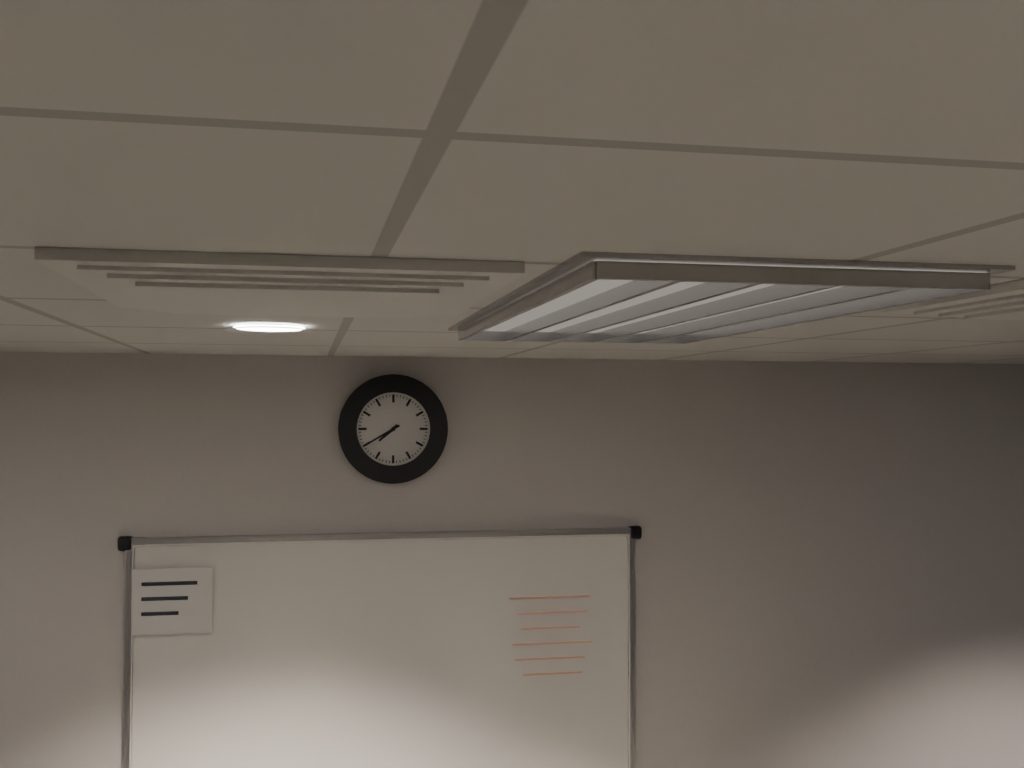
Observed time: **7:40**
